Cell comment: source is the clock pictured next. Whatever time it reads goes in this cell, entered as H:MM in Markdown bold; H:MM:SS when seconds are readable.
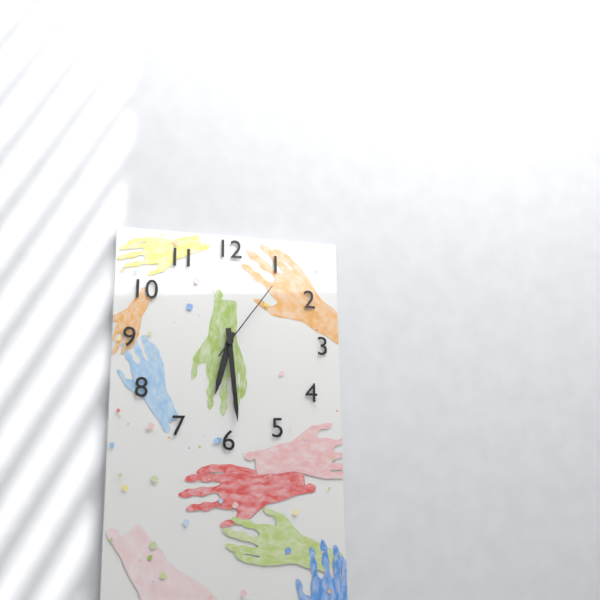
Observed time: **6:29:06**
